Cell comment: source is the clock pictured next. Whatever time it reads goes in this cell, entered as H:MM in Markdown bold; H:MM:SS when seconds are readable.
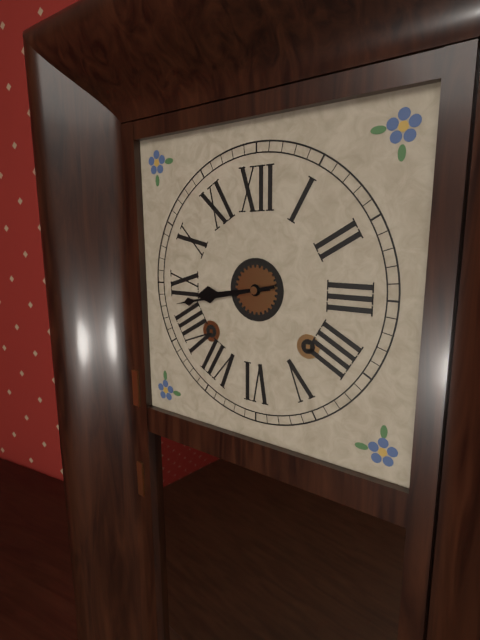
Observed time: **8:43**
